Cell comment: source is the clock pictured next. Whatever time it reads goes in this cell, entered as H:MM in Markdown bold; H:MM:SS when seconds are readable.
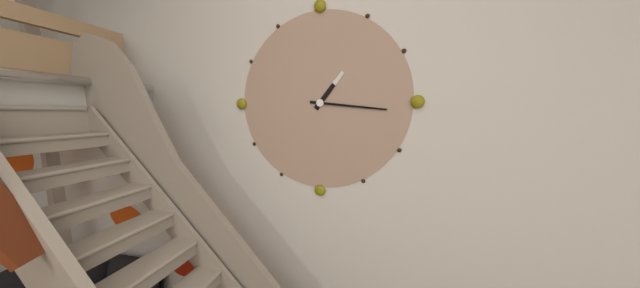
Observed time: **1:16**
